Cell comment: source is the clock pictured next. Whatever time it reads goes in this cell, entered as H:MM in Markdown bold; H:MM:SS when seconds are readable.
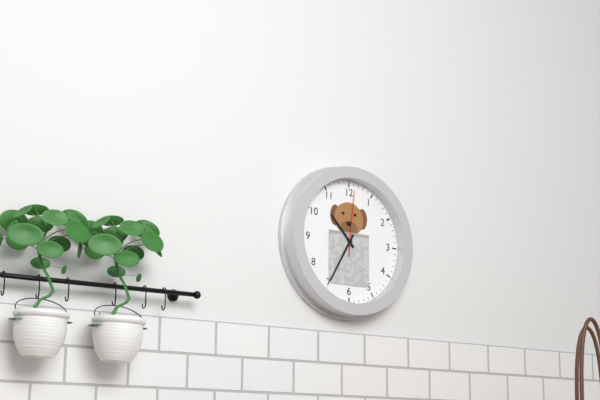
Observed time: **10:35:01**
